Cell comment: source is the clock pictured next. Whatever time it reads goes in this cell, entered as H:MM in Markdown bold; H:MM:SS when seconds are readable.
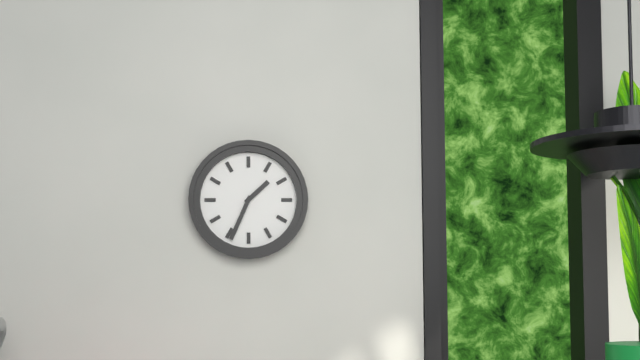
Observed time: **1:34**
